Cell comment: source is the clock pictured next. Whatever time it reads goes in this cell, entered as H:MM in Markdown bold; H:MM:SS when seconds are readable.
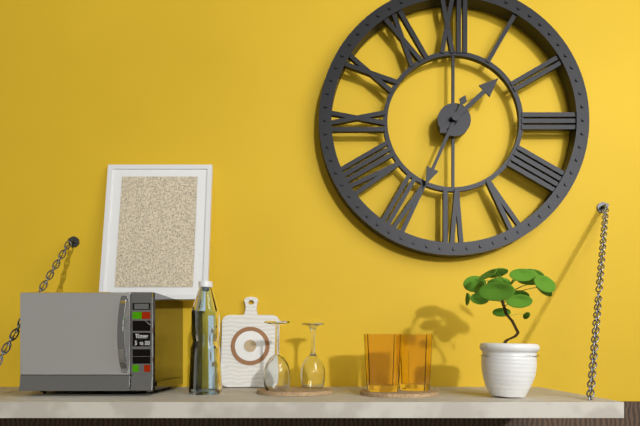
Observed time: **1:34**
